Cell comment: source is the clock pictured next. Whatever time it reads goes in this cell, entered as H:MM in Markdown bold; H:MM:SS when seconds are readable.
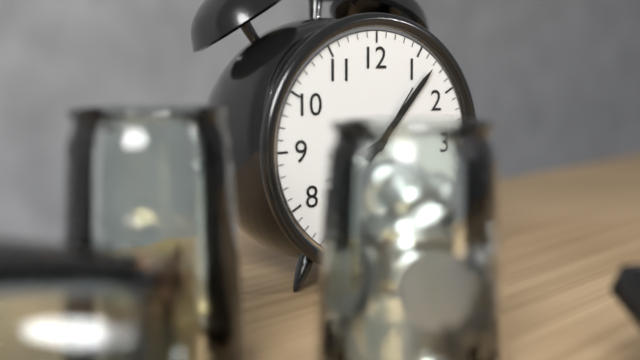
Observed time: **8:07:06**
